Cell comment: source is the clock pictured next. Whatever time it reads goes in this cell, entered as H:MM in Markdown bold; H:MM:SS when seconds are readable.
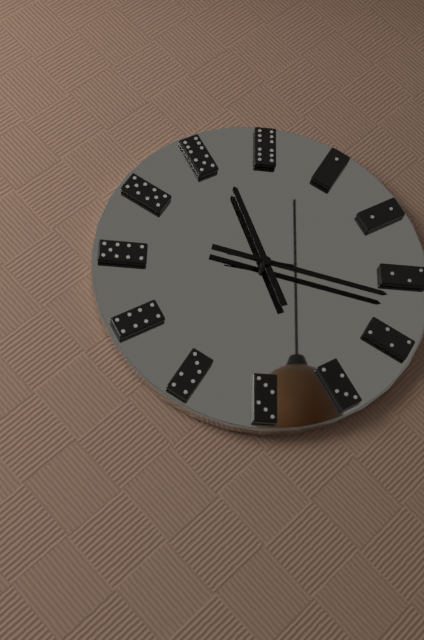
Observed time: **11:17:46**
